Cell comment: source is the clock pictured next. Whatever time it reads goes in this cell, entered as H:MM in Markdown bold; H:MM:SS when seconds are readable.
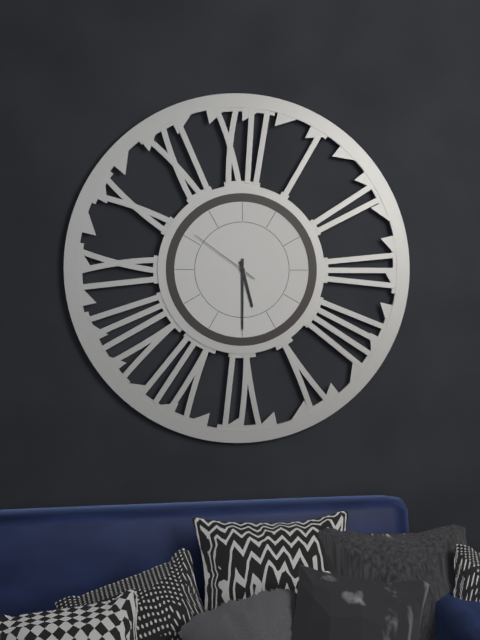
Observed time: **5:30:51**
